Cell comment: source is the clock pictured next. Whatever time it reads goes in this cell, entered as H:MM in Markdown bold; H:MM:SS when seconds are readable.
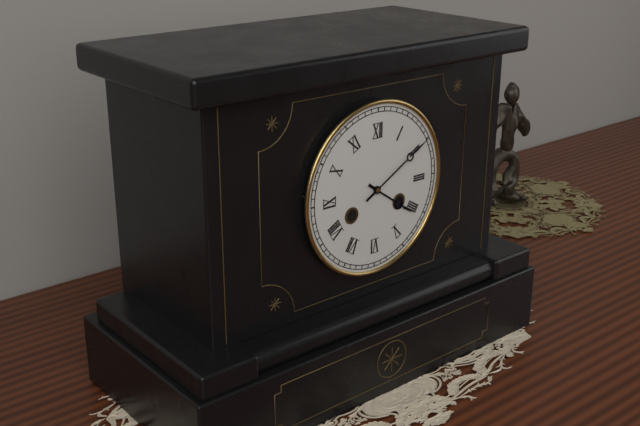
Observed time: **4:10**
